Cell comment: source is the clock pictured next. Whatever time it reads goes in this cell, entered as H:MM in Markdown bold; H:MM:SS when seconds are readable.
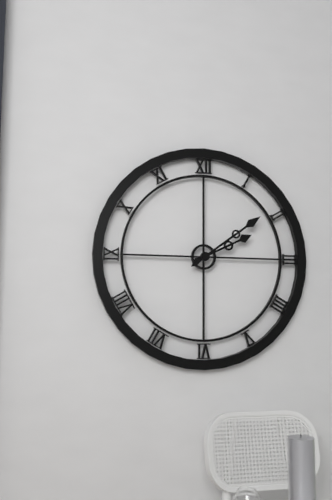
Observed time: **2:09**
